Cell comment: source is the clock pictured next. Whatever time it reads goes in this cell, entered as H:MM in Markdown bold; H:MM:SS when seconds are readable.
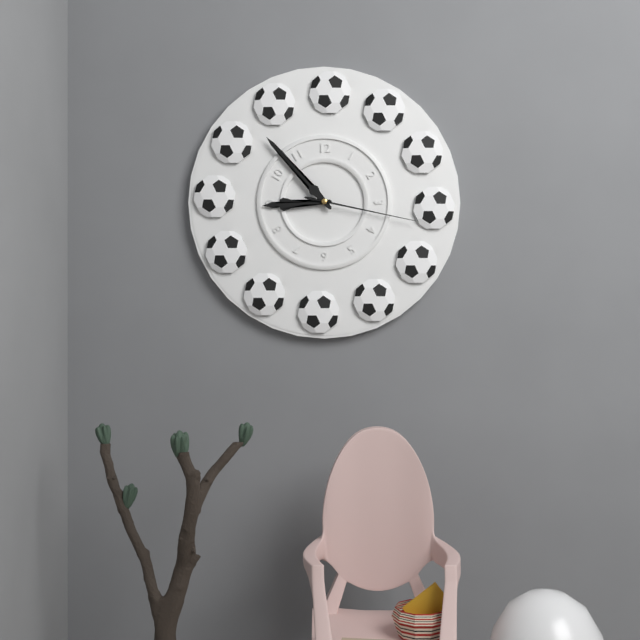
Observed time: **8:53:17**
